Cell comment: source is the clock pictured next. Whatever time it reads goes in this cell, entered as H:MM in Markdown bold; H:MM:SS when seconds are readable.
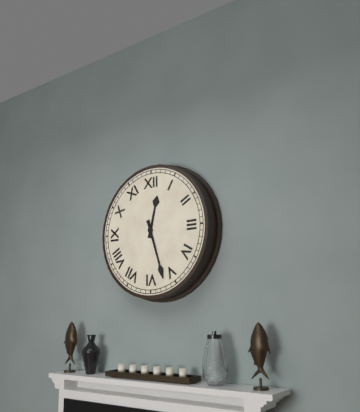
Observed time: **12:27**
